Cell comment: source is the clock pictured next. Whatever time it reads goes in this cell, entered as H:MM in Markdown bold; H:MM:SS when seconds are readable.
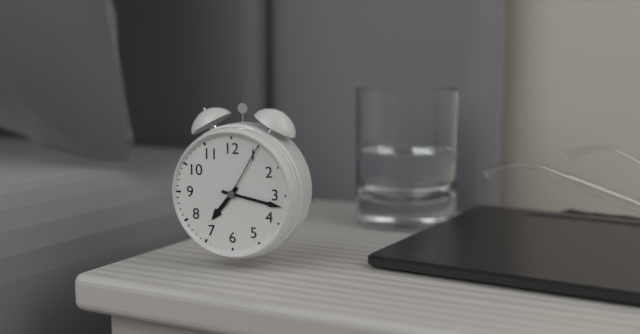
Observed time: **7:17:05**
